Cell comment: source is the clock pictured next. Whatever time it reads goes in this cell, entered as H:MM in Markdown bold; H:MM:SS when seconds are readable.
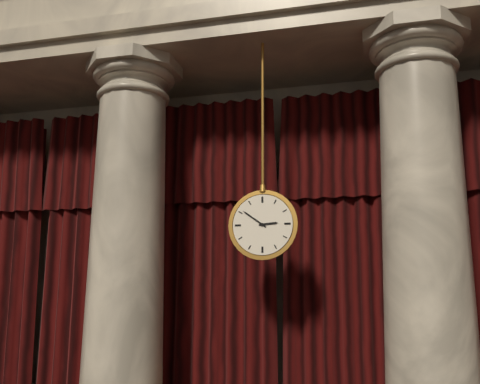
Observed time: **2:51**
